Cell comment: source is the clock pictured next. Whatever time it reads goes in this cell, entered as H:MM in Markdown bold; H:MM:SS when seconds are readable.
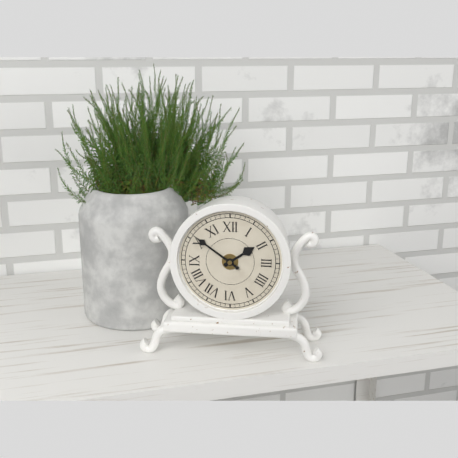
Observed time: **1:51**
